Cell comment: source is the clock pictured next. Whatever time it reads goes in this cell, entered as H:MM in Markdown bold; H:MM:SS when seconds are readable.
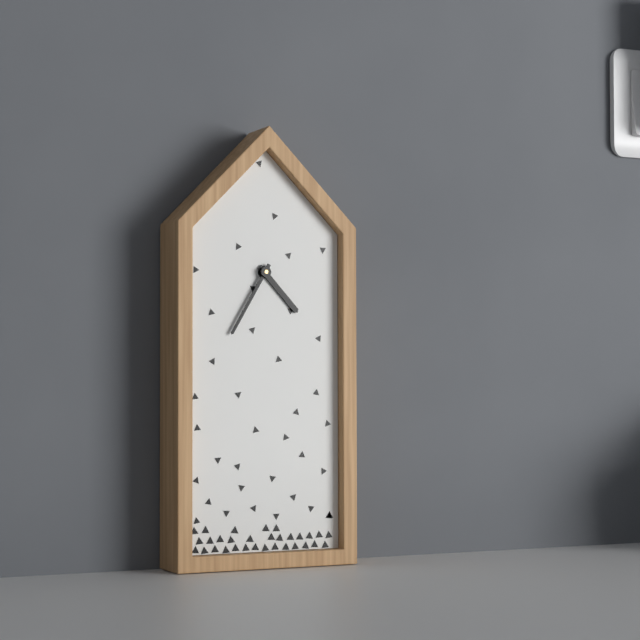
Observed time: **4:35**
